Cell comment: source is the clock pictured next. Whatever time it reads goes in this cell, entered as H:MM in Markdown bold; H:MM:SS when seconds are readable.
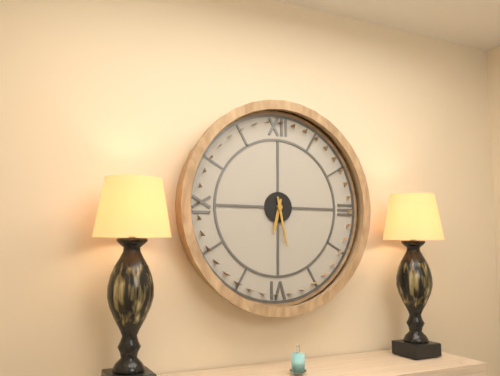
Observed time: **6:28**
